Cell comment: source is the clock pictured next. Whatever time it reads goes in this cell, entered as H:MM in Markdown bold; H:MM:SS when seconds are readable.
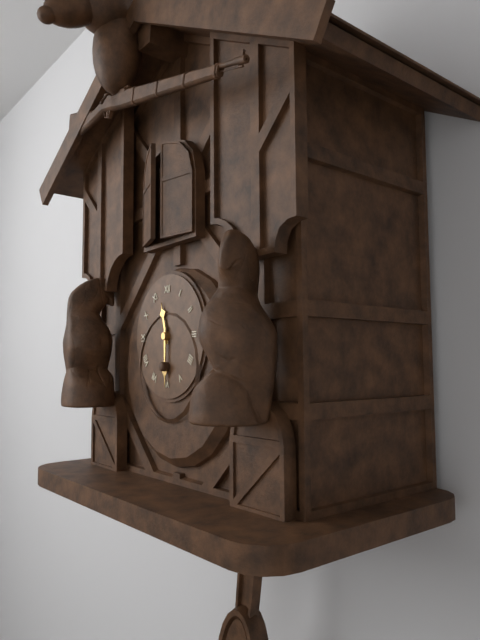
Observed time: **11:30**
